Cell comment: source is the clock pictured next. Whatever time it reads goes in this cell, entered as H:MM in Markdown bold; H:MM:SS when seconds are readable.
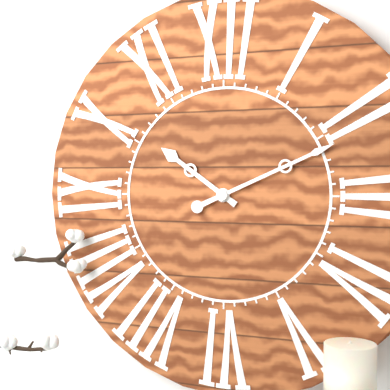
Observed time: **10:11**
